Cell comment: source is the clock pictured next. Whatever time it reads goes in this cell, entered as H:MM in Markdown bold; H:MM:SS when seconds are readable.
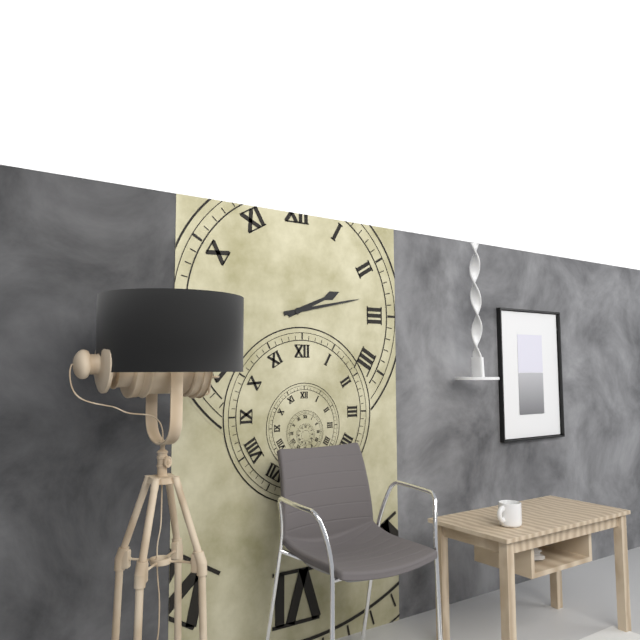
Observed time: **2:13**
